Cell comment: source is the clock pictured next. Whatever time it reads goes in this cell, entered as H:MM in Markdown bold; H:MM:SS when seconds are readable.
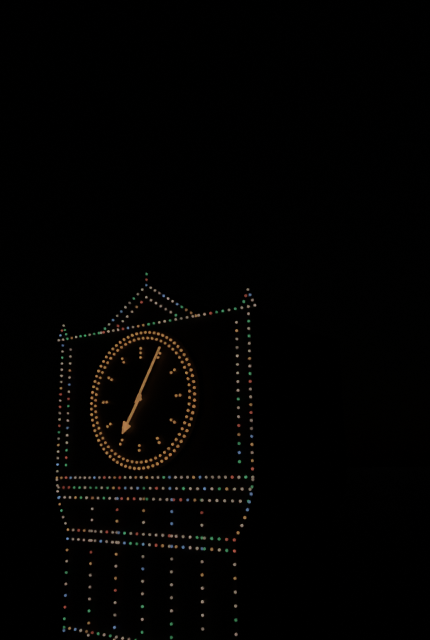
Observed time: **7:05**
